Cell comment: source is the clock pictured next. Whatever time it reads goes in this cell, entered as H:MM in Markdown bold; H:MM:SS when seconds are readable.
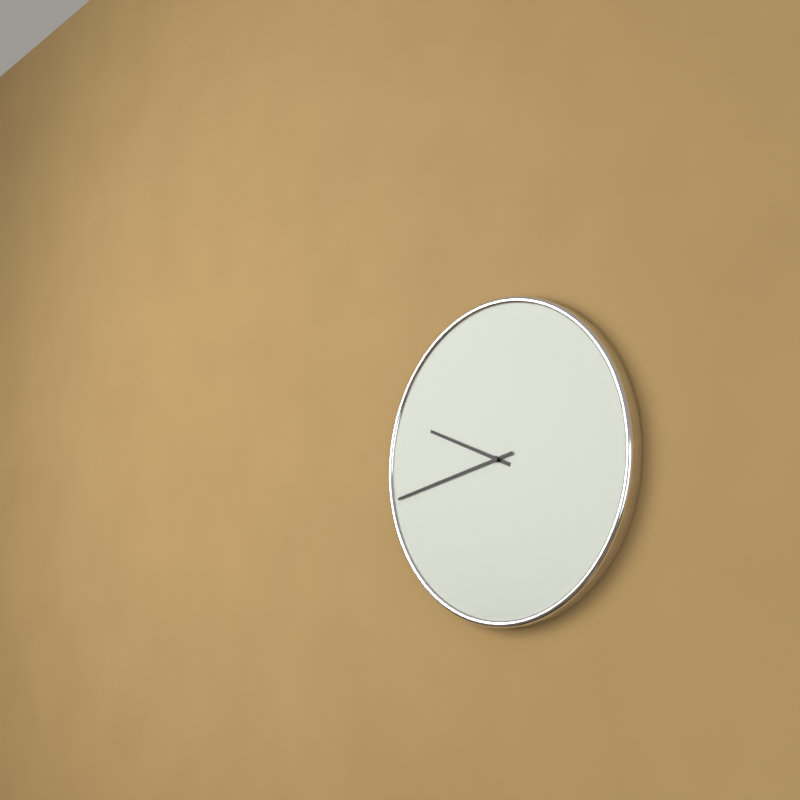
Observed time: **9:43**
